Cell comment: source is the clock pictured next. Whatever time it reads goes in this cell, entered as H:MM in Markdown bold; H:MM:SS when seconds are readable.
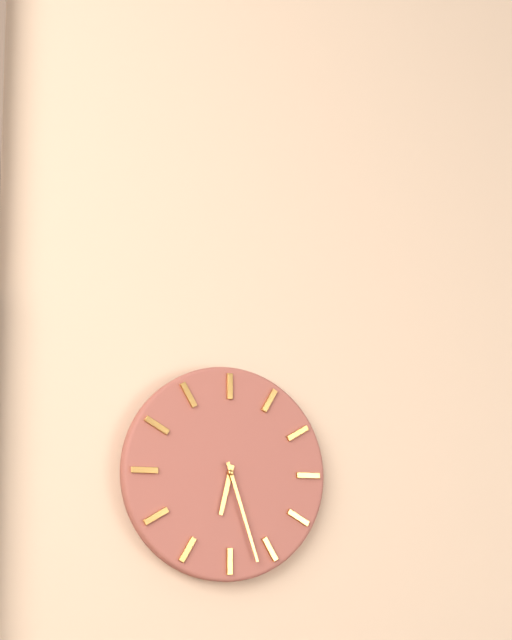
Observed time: **6:27**
